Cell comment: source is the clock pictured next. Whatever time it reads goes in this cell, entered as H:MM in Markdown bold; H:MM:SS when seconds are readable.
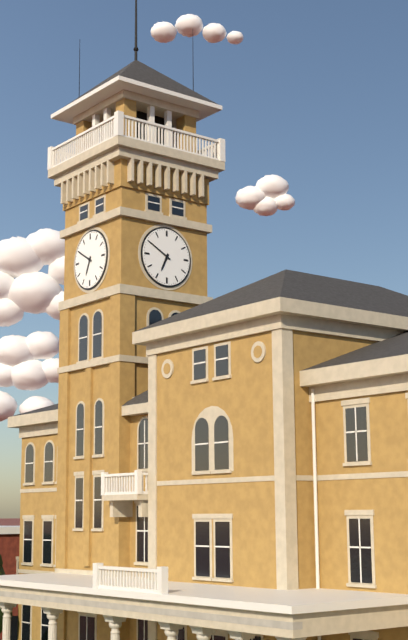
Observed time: **6:50**
